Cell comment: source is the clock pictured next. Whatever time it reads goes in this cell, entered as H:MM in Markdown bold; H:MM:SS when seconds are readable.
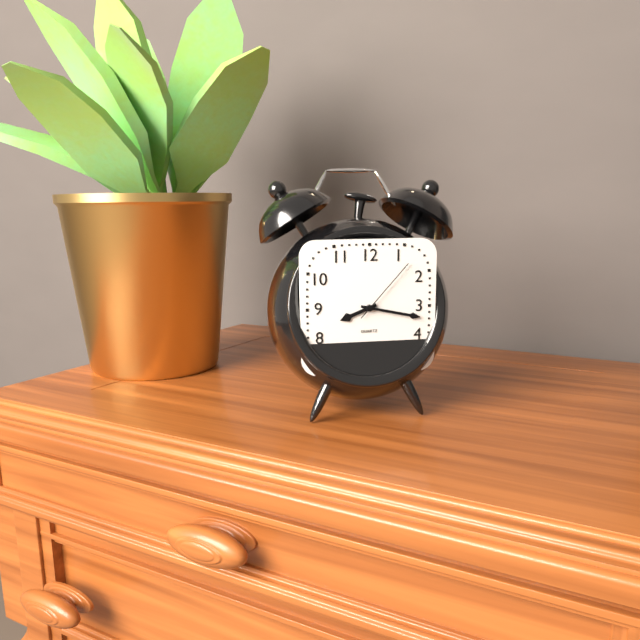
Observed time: **8:17:07**
